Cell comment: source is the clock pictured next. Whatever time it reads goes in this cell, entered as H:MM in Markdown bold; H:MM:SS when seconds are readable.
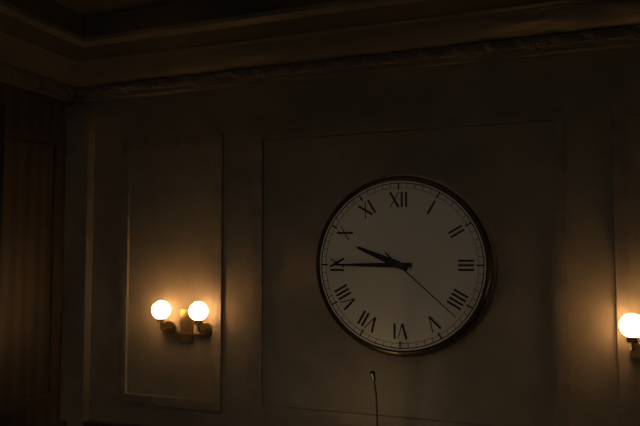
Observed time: **9:45:22**
